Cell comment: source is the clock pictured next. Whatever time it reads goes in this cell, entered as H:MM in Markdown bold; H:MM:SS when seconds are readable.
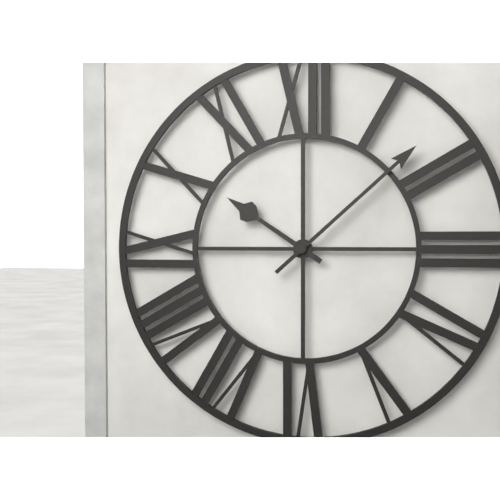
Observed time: **10:08**
